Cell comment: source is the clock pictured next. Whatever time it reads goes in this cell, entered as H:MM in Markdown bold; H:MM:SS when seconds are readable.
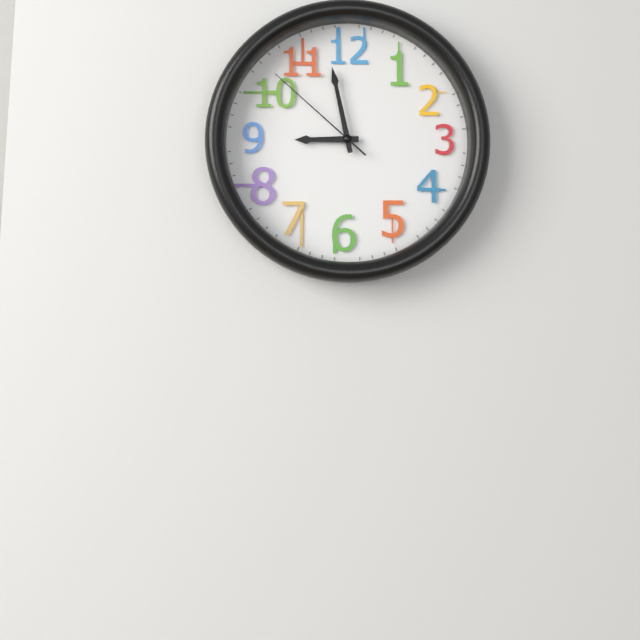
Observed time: **8:58:52**
